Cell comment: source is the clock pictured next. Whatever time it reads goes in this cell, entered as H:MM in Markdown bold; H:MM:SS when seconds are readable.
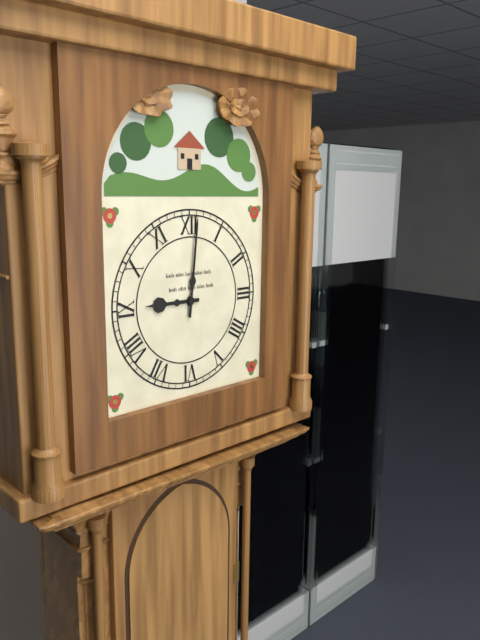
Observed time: **9:01**
